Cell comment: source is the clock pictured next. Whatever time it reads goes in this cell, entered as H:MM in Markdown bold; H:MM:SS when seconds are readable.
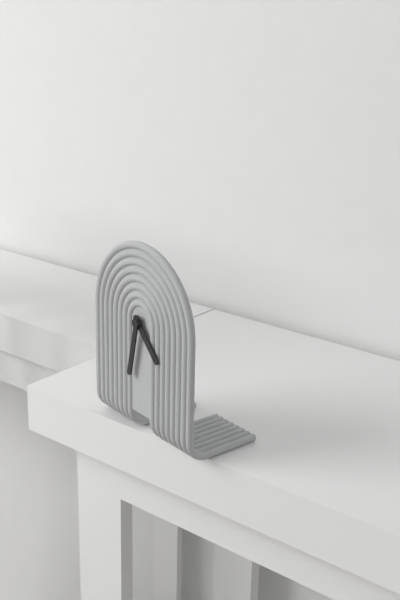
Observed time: **4:32**
